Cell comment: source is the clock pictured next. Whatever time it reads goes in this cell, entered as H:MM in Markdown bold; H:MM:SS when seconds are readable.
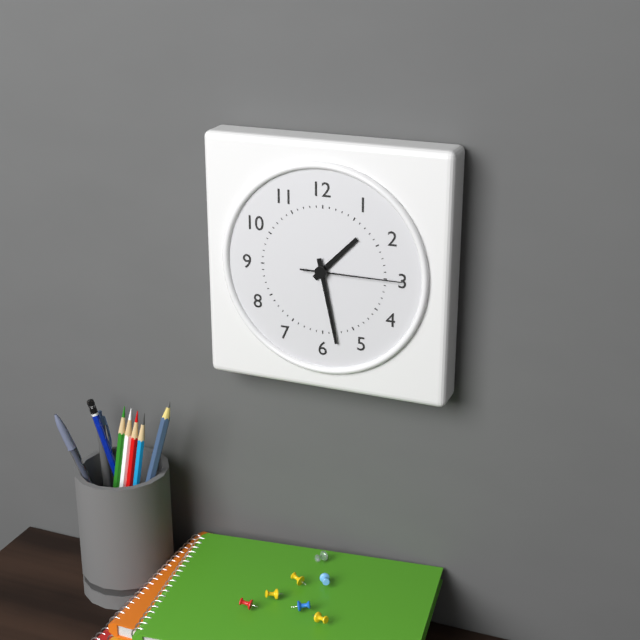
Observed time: **1:28:15**
